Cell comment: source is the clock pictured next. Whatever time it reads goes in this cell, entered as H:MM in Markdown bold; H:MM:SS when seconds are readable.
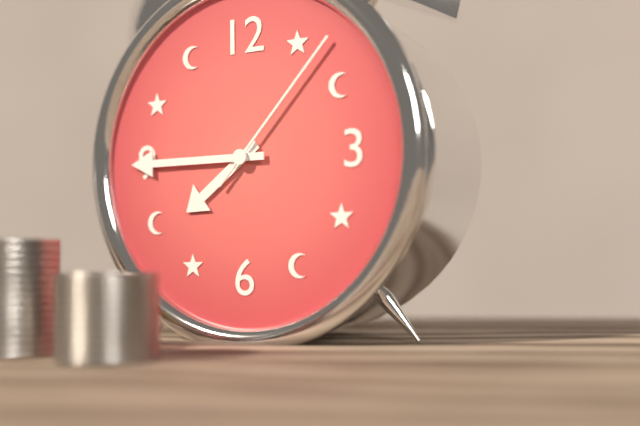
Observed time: **7:45:07**
